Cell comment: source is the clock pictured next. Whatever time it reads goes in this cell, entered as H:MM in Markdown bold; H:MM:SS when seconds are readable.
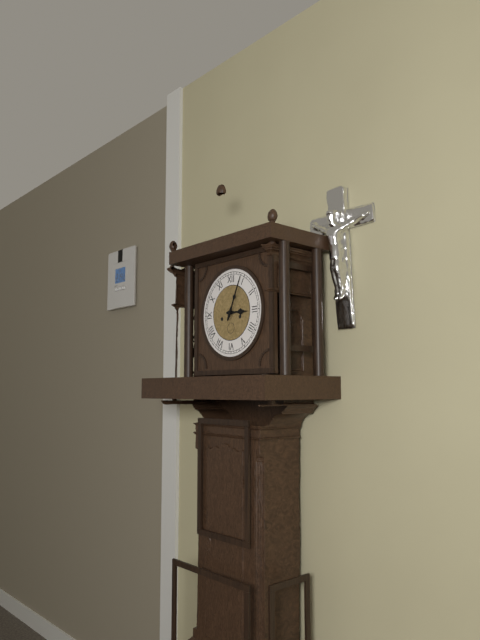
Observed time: **3:04**
